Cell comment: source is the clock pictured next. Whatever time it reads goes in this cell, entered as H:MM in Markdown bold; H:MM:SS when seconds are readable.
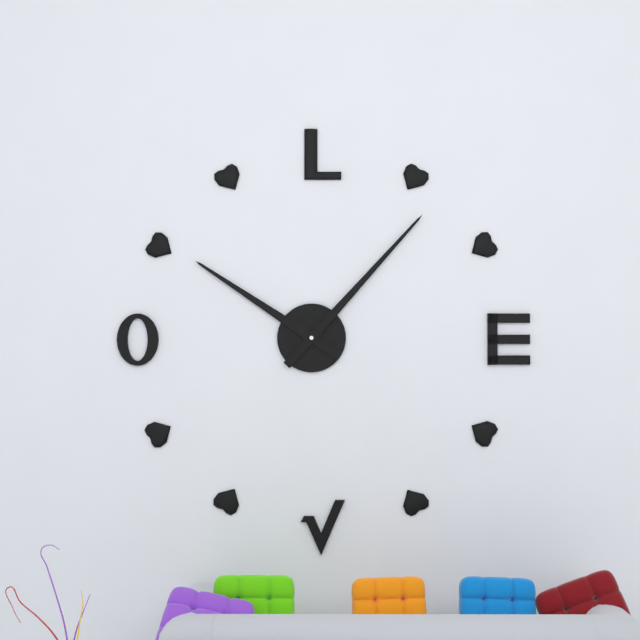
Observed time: **10:07**
